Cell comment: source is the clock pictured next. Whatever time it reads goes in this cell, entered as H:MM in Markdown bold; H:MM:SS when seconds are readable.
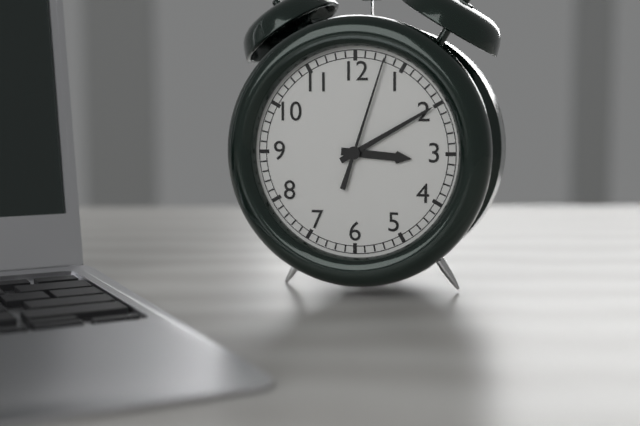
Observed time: **3:10:03**
